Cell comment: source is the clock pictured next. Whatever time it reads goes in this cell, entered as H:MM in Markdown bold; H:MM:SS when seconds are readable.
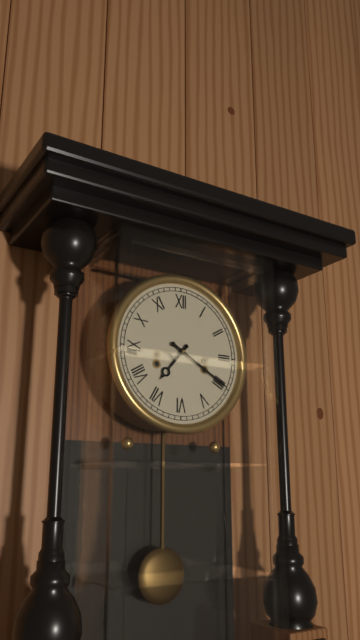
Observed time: **7:20**
